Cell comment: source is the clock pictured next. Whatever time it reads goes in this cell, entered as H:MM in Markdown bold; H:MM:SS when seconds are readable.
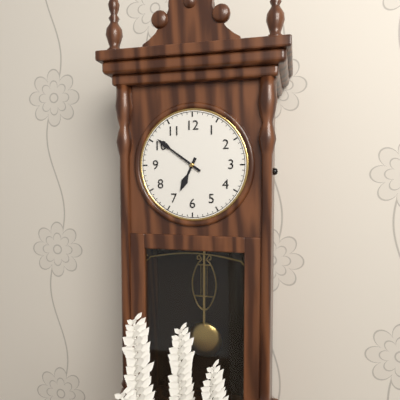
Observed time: **6:51**
